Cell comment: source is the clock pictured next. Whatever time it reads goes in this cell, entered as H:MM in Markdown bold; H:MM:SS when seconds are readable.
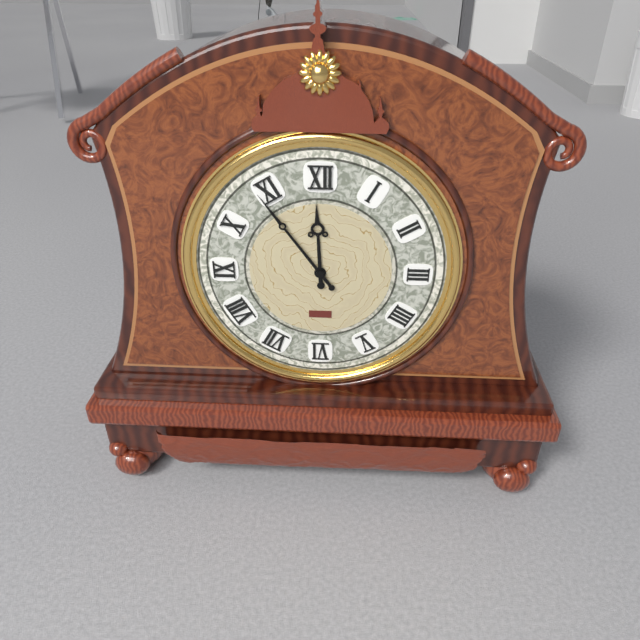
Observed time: **11:54**
